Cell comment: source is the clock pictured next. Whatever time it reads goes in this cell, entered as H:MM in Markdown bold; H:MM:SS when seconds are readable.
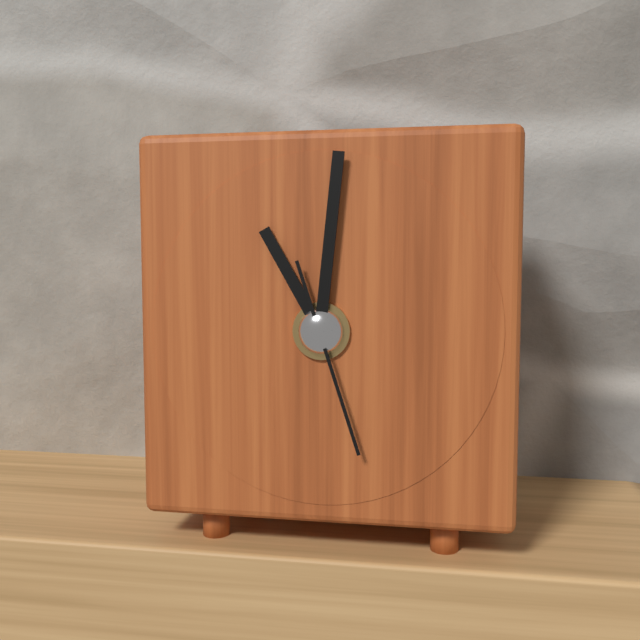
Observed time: **11:01:27**
